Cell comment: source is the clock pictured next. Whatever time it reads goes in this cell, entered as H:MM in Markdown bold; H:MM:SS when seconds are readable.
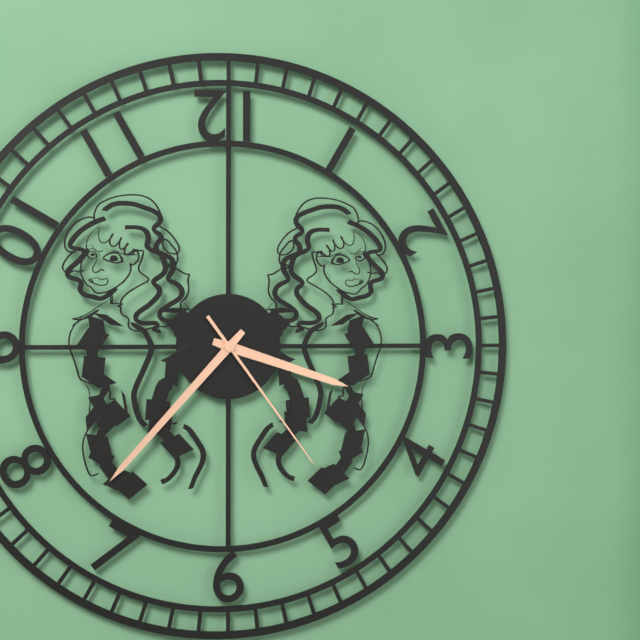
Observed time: **3:37:24**
